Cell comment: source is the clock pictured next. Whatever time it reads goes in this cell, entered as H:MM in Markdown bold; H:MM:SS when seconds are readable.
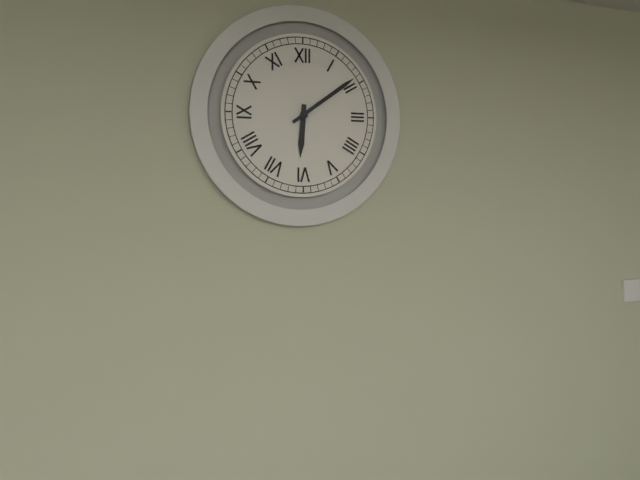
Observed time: **6:09**
